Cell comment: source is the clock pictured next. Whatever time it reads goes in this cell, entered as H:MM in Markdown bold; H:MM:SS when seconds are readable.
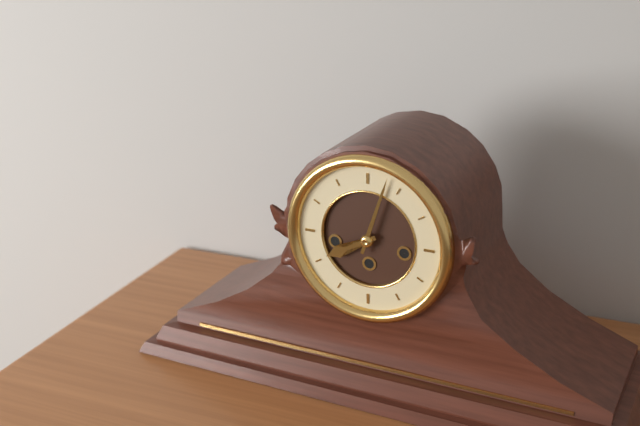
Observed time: **8:03**
